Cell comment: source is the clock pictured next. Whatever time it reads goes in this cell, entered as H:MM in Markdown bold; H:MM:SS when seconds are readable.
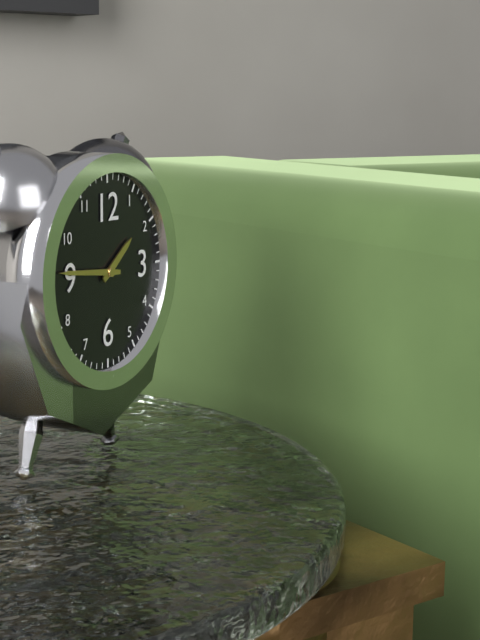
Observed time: **1:46**
